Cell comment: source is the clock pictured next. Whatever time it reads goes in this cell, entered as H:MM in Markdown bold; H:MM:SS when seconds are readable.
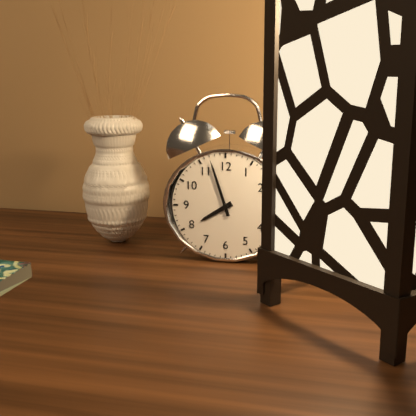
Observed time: **7:57**
